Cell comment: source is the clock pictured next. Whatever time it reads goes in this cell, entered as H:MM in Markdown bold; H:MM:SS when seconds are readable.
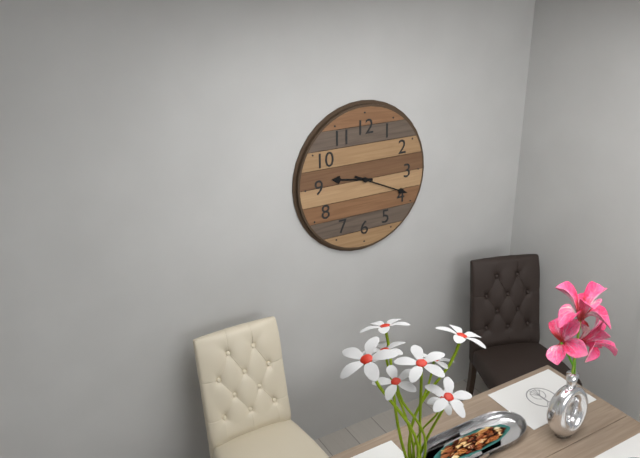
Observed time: **9:19**
